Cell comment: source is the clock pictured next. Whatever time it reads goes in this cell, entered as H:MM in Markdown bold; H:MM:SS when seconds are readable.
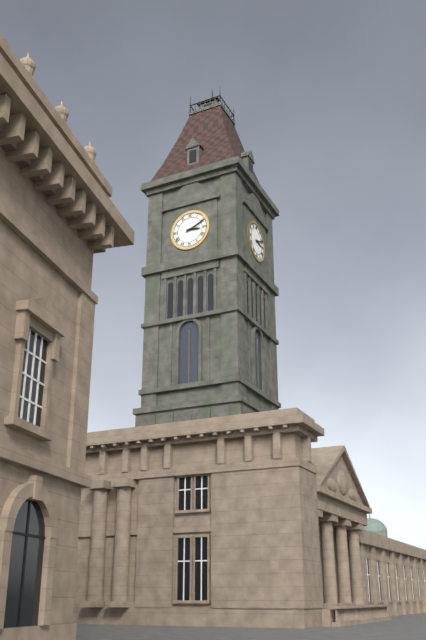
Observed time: **3:11**
